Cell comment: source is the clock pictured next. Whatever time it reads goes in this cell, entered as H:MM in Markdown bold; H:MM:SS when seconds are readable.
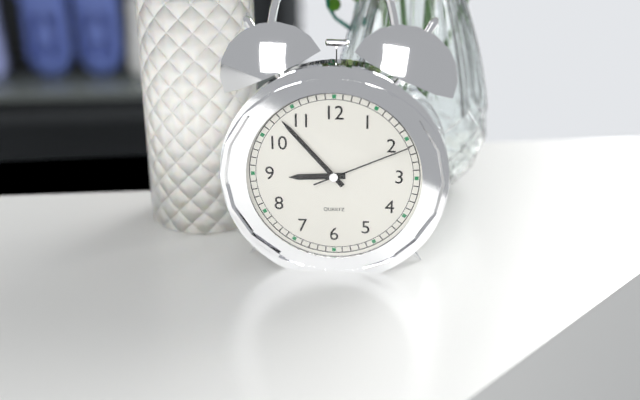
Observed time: **8:53:11**
